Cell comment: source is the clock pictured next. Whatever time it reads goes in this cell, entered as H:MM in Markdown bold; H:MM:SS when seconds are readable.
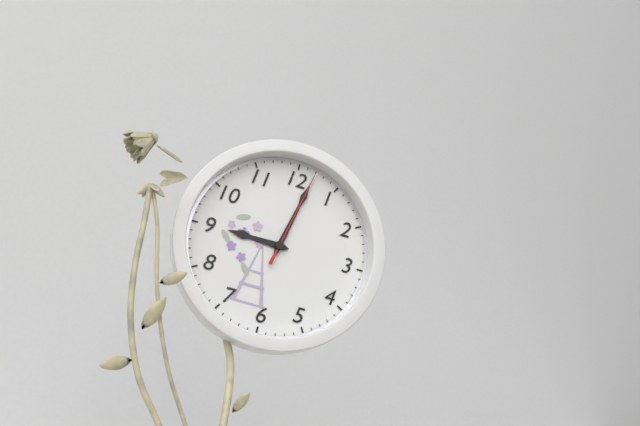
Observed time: **9:02:02**
